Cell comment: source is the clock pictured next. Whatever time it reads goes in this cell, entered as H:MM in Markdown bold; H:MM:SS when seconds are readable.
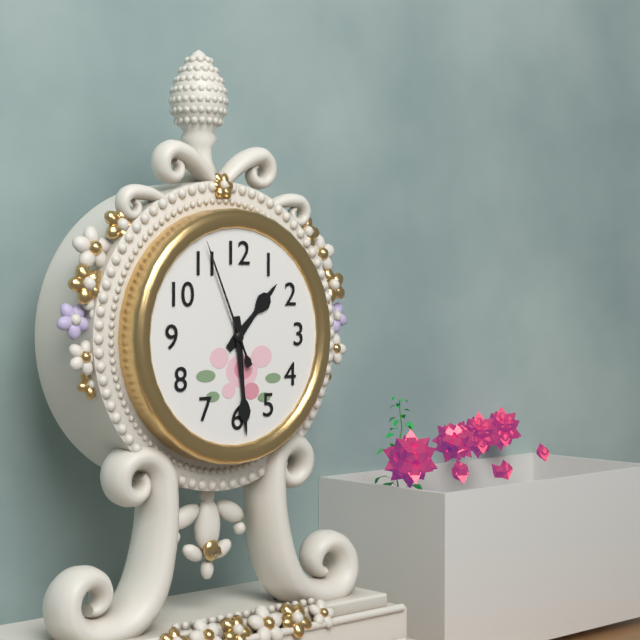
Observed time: **1:29:56**
